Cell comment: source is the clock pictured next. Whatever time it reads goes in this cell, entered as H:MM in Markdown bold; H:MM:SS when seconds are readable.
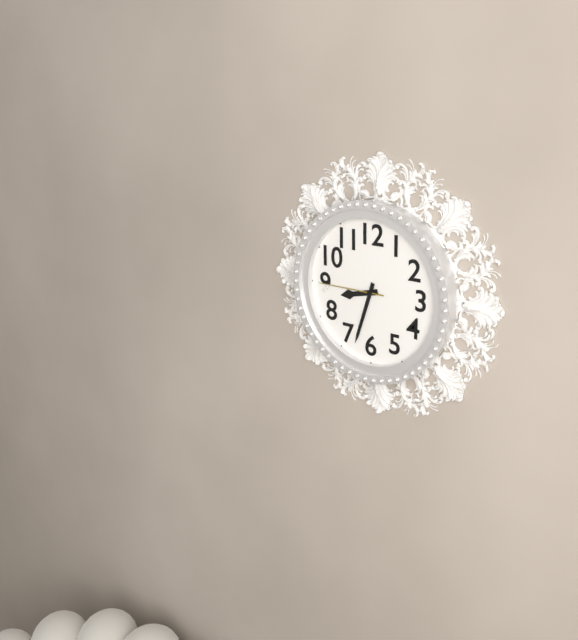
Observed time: **8:33:45**
